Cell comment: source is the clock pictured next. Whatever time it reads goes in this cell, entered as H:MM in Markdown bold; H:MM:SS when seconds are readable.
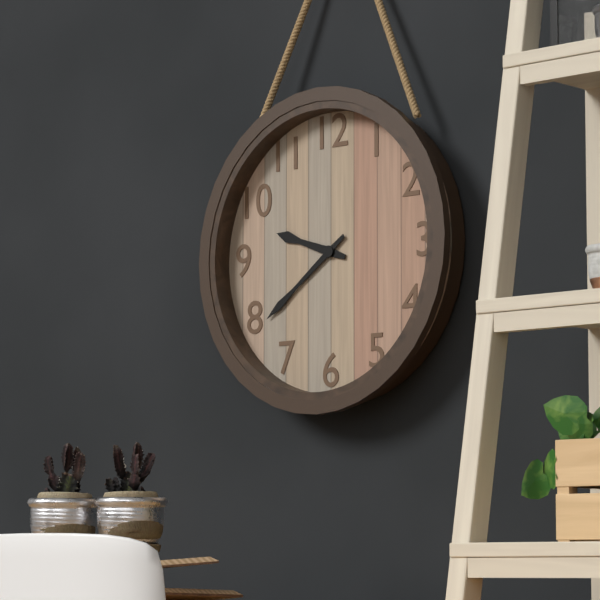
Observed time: **9:39**
